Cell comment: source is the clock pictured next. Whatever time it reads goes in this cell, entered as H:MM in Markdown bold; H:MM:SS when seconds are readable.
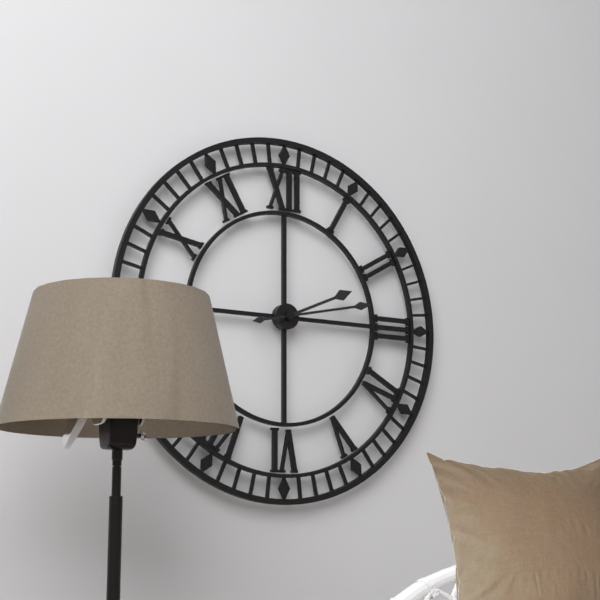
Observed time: **2:13**
